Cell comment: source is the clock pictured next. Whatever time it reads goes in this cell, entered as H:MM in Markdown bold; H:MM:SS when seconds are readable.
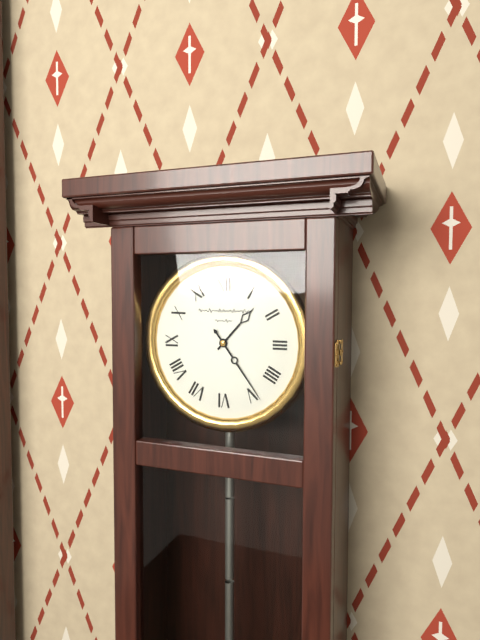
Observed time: **1:24**
